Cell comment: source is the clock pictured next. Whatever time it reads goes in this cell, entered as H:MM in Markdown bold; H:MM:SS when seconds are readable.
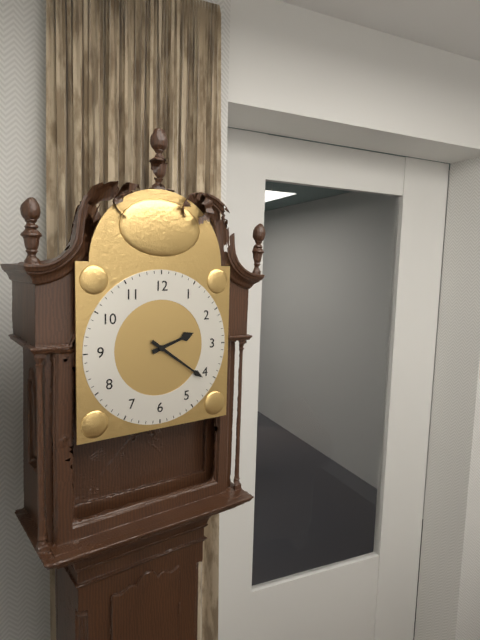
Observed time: **2:21**
